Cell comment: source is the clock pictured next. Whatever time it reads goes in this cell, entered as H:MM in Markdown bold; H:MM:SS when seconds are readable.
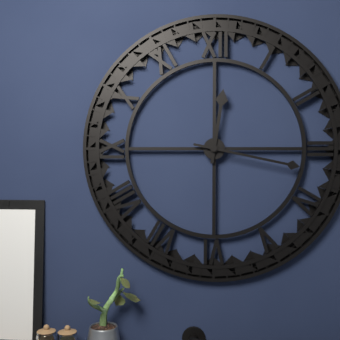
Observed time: **12:17**
